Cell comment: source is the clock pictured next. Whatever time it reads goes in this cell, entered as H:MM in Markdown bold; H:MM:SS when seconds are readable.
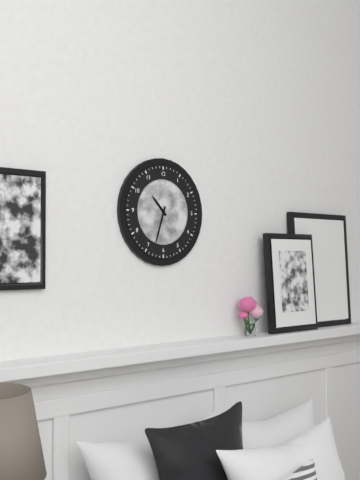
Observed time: **10:33**
